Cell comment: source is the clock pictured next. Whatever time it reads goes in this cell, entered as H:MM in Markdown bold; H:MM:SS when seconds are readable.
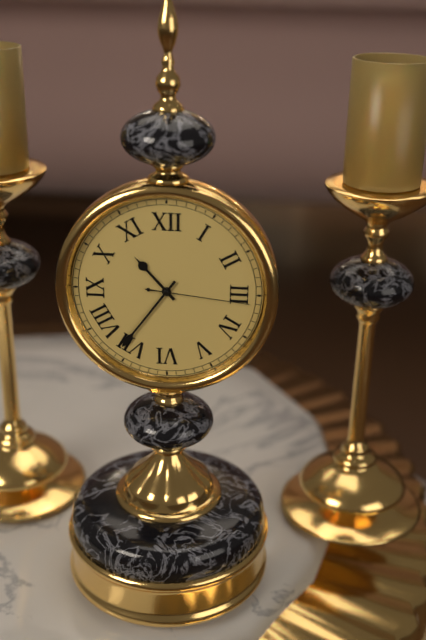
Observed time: **10:36:16**
